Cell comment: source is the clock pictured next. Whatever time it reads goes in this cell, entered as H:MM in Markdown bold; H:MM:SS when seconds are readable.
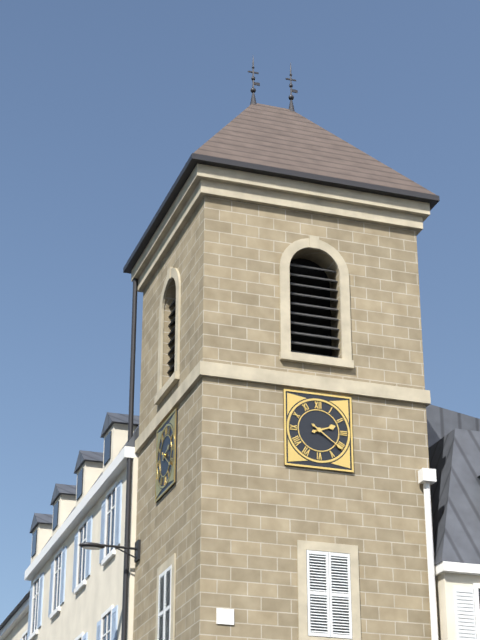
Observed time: **2:21**
